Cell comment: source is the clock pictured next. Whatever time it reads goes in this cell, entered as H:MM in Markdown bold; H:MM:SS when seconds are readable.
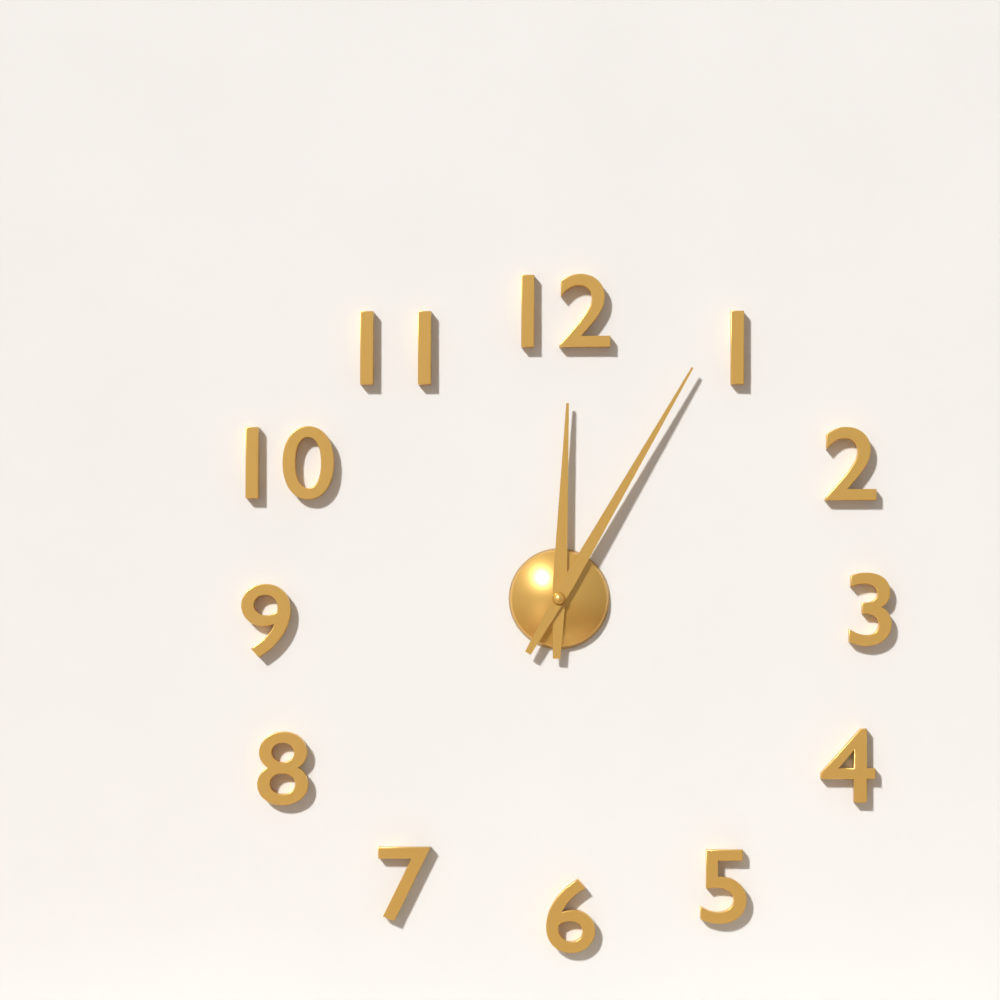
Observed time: **12:05**
